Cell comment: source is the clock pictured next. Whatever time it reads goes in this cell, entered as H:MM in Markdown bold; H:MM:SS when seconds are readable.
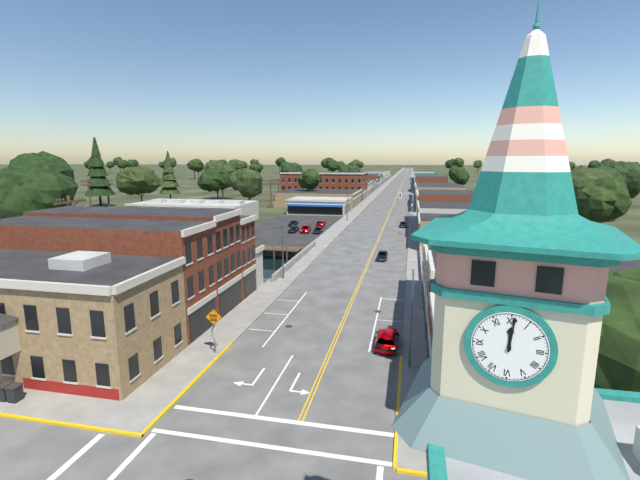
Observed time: **12:01**
